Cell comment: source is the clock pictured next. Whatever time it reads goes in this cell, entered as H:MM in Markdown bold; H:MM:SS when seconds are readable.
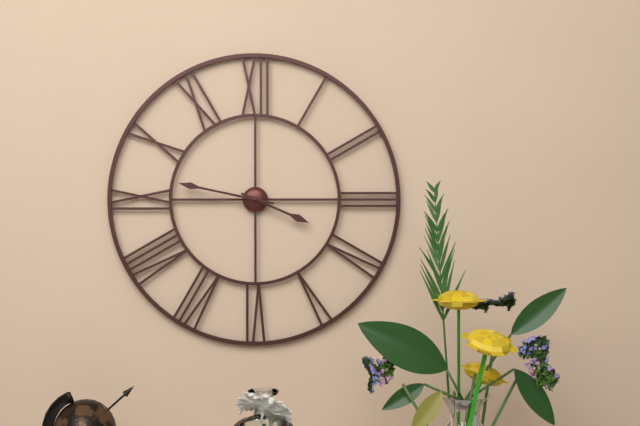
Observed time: **3:47**
